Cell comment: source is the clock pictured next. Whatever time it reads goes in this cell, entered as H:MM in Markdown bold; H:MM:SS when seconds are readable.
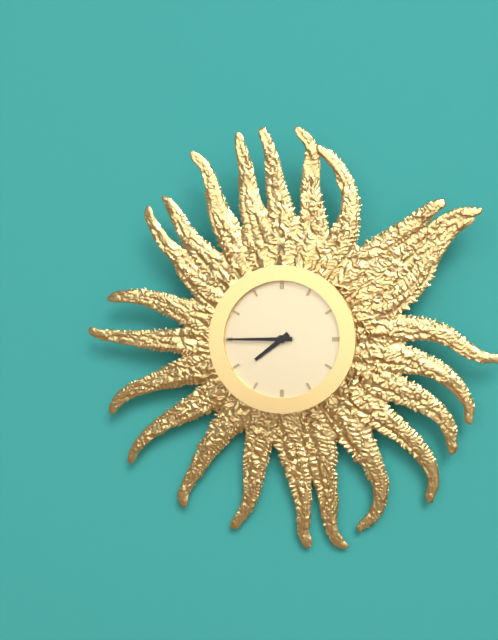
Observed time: **7:45**
